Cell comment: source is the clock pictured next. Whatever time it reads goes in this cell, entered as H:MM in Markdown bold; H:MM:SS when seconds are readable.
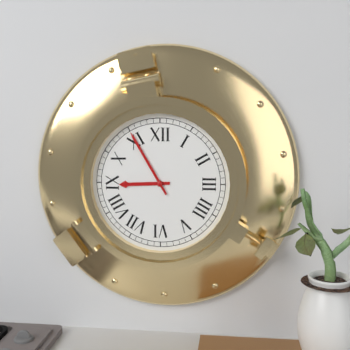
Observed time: **8:55**
